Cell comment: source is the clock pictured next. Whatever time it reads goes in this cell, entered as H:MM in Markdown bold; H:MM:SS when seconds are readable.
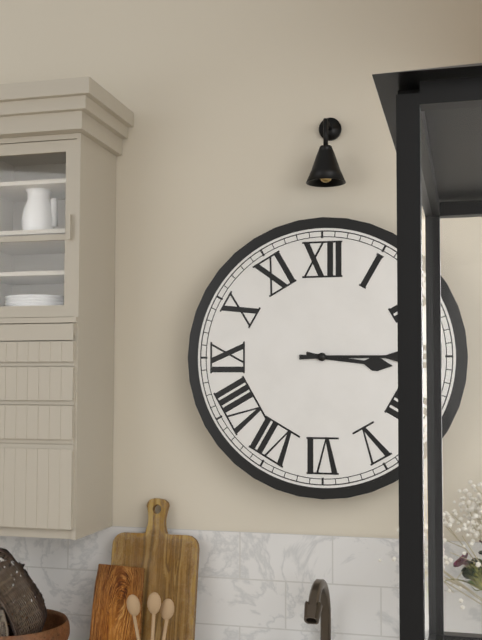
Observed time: **3:15**
